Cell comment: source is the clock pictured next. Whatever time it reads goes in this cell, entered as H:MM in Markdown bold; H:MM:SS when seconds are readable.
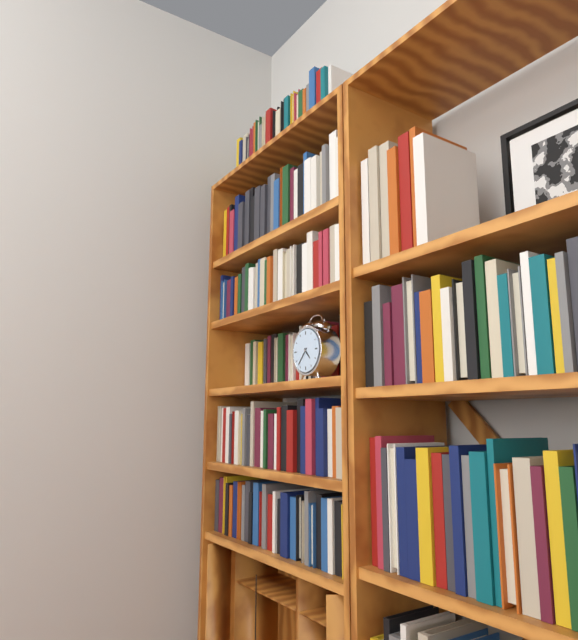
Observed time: **4:37**
